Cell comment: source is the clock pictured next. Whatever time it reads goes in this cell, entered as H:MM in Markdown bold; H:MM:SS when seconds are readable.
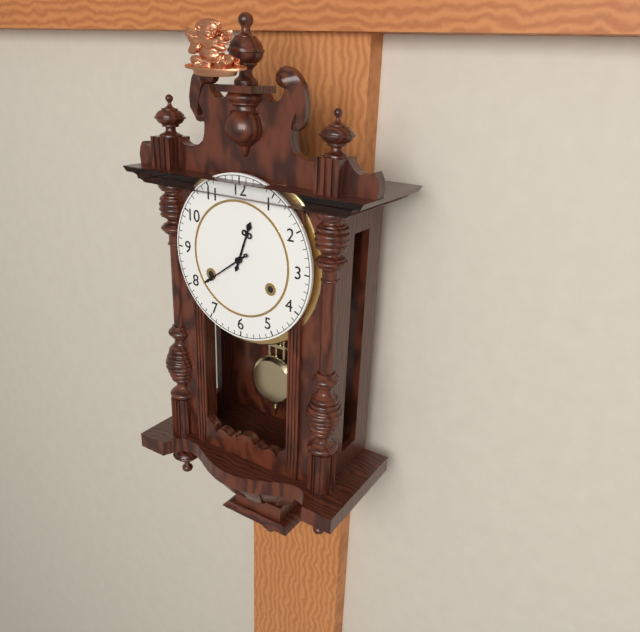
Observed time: **12:39**
